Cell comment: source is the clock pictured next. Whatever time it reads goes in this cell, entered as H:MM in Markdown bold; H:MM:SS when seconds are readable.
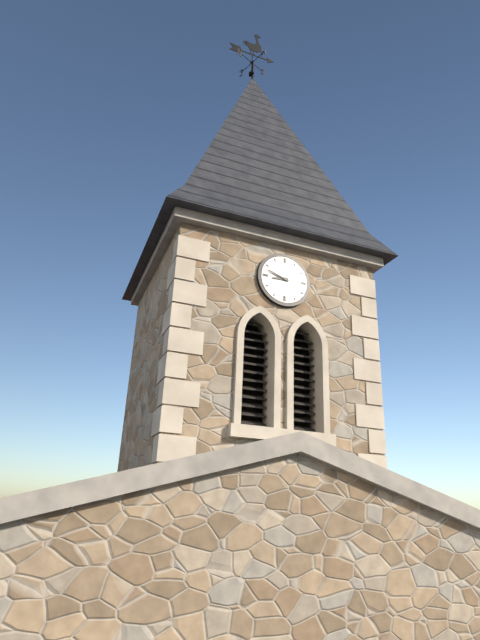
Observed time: **8:48**
